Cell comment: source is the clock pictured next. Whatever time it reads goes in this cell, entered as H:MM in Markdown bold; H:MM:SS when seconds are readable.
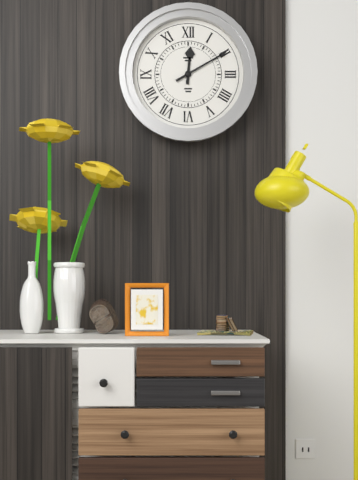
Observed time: **12:10**
